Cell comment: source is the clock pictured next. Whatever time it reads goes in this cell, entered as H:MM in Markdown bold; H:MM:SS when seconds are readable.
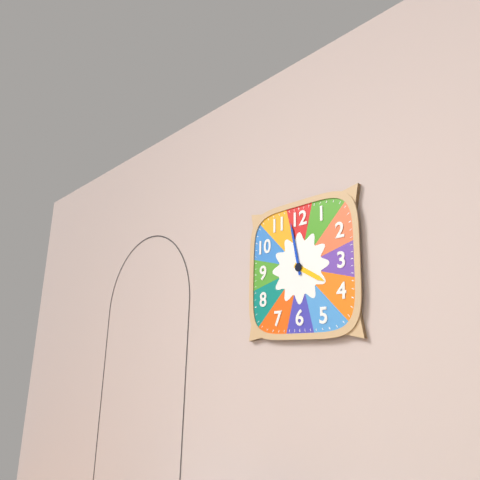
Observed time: **3:58**
